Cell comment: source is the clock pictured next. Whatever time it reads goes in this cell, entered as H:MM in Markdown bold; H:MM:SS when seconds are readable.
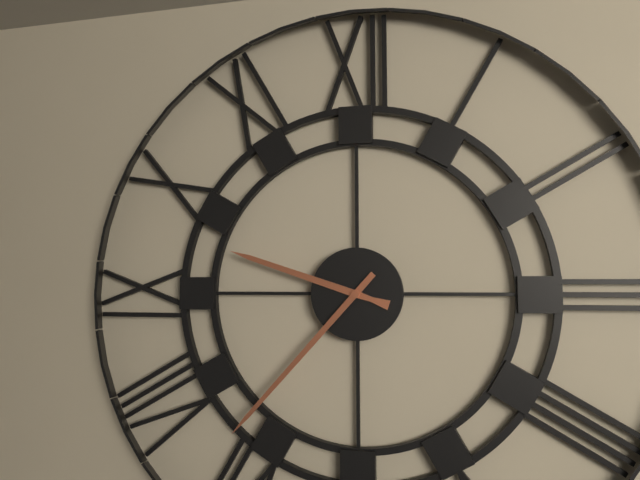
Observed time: **9:37**
